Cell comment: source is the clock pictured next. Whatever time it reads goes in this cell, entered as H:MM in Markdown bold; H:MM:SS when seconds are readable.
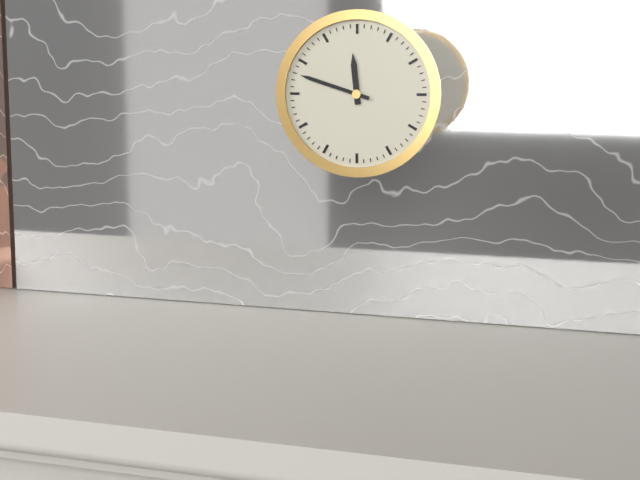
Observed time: **11:48**
